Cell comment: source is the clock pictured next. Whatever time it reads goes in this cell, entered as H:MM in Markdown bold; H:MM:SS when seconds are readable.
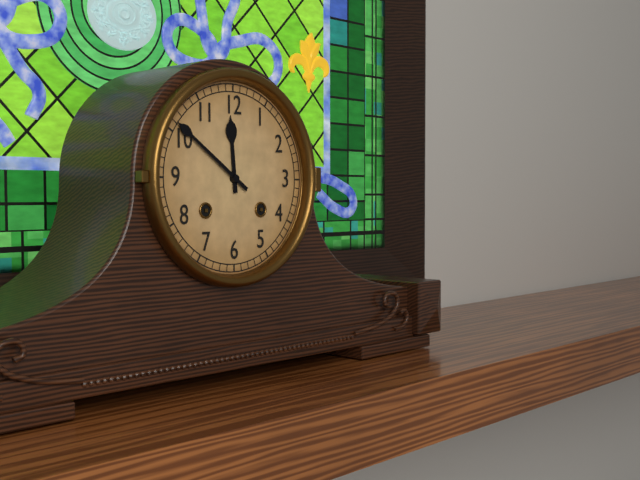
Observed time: **11:51**
